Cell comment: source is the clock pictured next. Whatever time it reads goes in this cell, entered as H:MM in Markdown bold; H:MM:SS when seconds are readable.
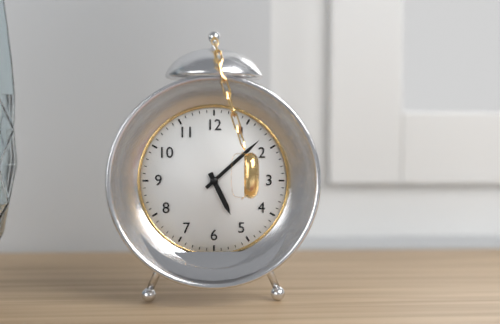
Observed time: **5:08**
